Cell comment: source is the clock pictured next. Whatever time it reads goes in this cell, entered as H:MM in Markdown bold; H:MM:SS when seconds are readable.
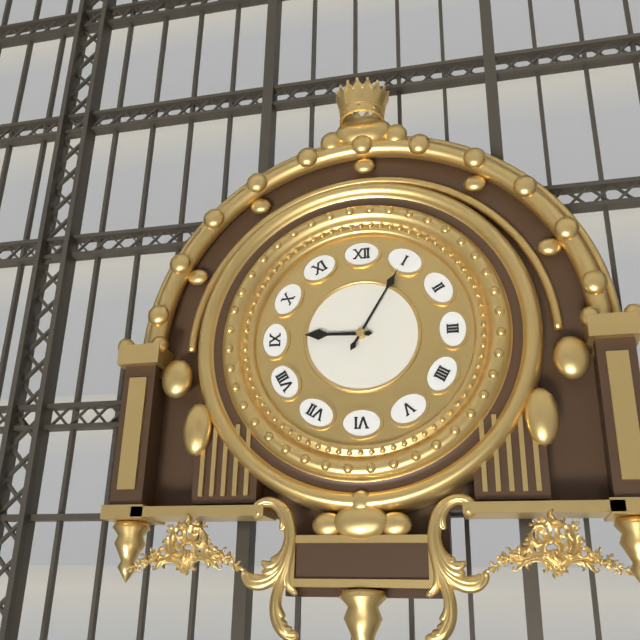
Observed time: **9:05**
